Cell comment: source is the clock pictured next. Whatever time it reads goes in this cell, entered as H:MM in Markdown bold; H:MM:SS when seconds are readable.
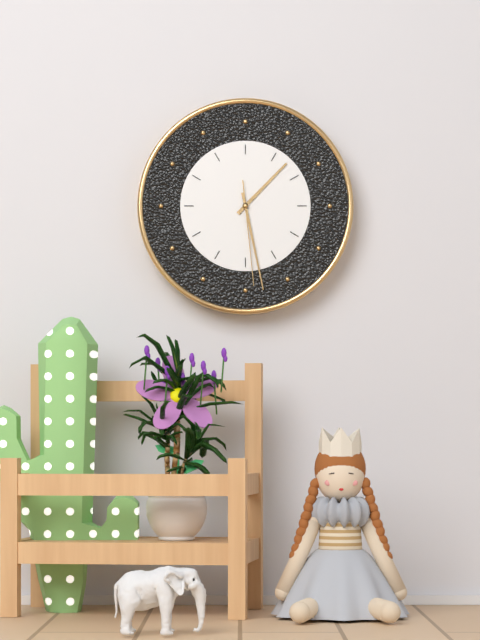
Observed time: **1:28:29**
